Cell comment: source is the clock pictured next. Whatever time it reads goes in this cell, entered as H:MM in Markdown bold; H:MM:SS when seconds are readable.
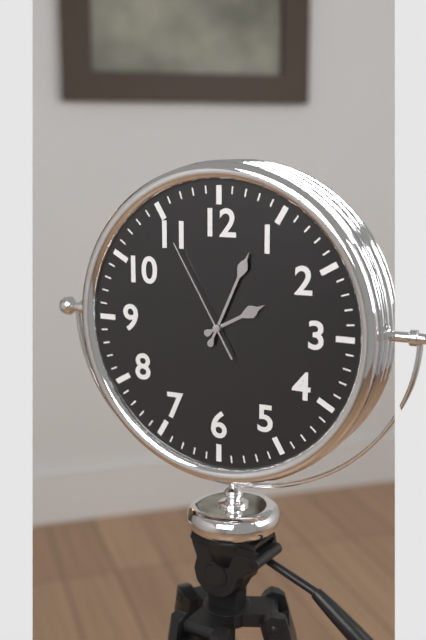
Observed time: **2:04:55**
